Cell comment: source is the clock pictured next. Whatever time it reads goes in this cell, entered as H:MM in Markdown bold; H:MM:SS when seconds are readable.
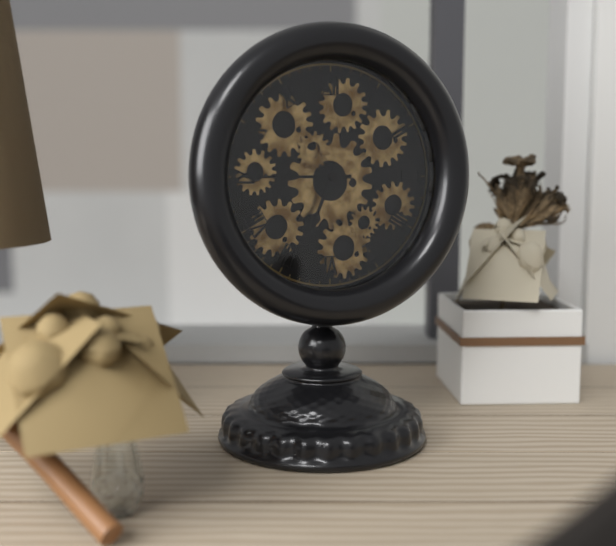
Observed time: **6:45**
